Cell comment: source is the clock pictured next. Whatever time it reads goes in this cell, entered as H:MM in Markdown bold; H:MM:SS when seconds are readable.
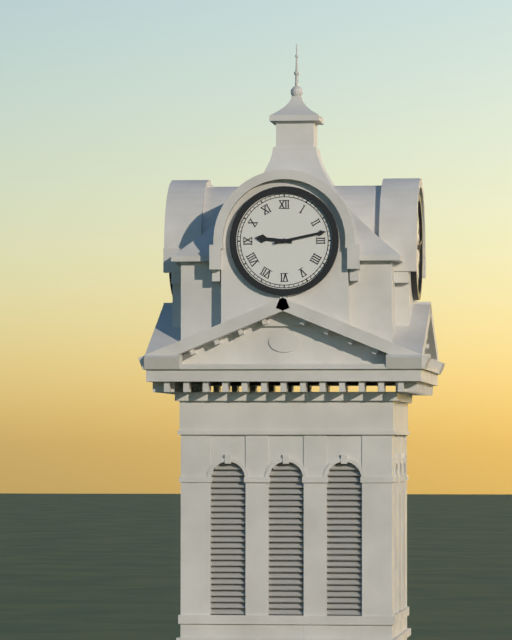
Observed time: **9:13**
